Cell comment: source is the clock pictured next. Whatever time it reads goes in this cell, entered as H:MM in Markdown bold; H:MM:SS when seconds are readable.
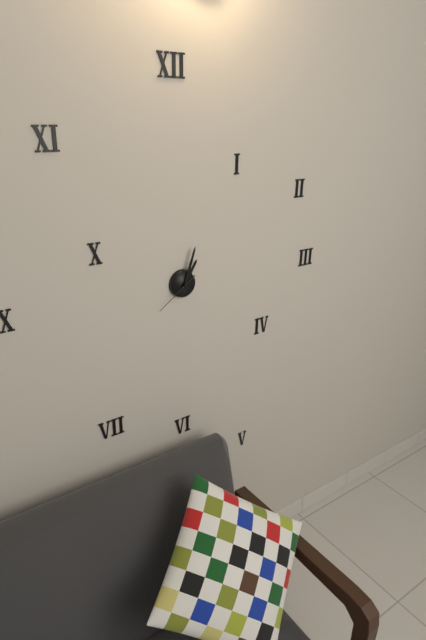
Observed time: **1:03**
